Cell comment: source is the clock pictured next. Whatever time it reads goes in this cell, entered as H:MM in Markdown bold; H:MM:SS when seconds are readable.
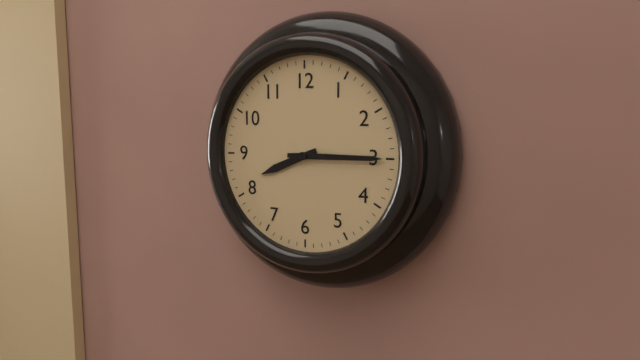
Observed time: **8:15**
